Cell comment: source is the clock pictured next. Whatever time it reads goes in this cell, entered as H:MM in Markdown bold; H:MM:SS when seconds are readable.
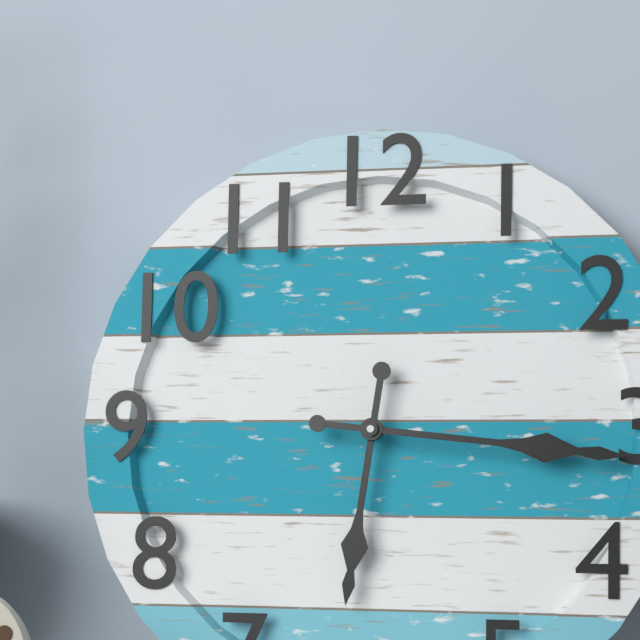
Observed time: **6:16**
